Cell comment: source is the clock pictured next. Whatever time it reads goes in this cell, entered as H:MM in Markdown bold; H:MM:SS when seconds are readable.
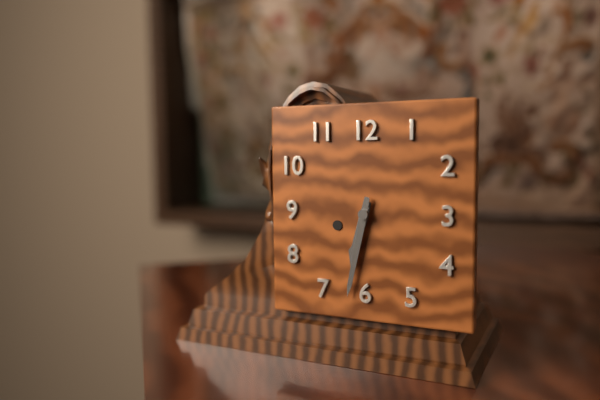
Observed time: **6:32**
